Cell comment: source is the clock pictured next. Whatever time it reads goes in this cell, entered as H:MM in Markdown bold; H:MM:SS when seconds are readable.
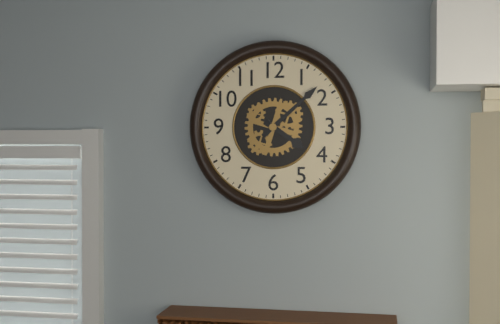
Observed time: **4:08**
